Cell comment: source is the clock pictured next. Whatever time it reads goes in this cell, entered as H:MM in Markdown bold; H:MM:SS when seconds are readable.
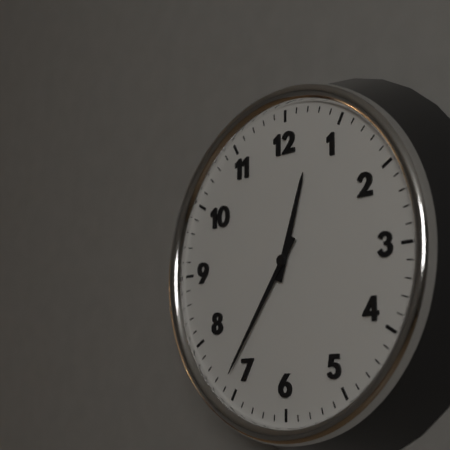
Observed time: **12:36**
